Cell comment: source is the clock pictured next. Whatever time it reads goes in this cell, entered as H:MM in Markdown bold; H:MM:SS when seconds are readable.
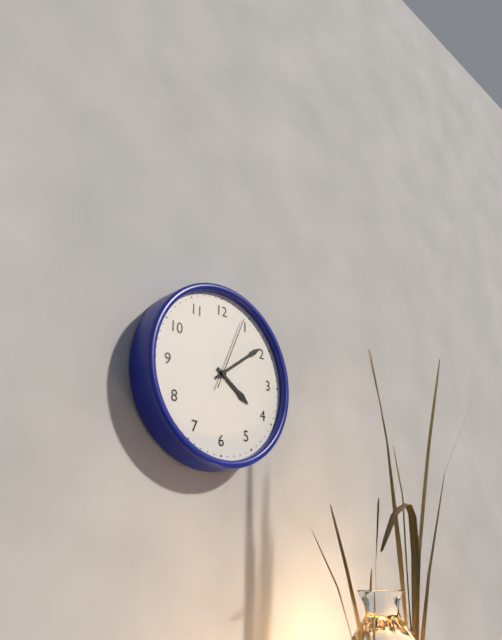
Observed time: **4:09:04**
